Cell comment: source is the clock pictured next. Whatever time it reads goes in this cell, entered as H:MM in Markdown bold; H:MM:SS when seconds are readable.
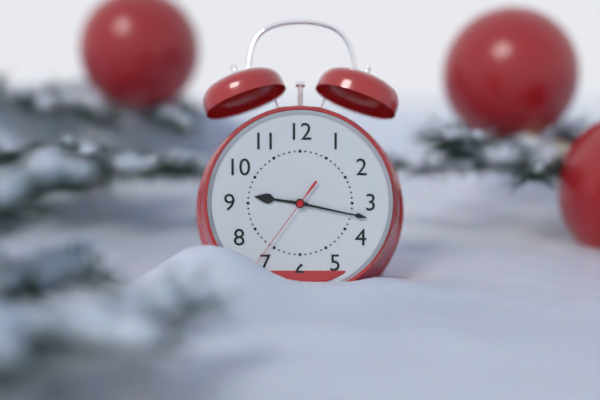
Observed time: **9:17:36**
